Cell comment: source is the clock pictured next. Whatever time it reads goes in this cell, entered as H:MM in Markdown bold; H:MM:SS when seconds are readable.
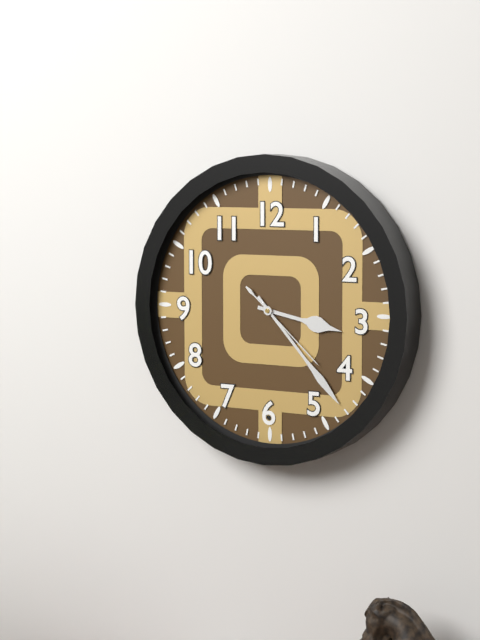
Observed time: **3:23:22**
